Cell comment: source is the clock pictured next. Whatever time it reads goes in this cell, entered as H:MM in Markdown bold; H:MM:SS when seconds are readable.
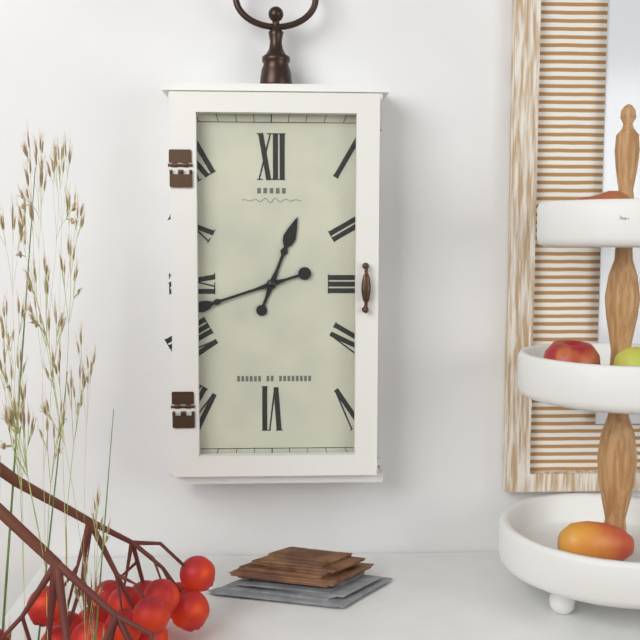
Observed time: **12:42**
